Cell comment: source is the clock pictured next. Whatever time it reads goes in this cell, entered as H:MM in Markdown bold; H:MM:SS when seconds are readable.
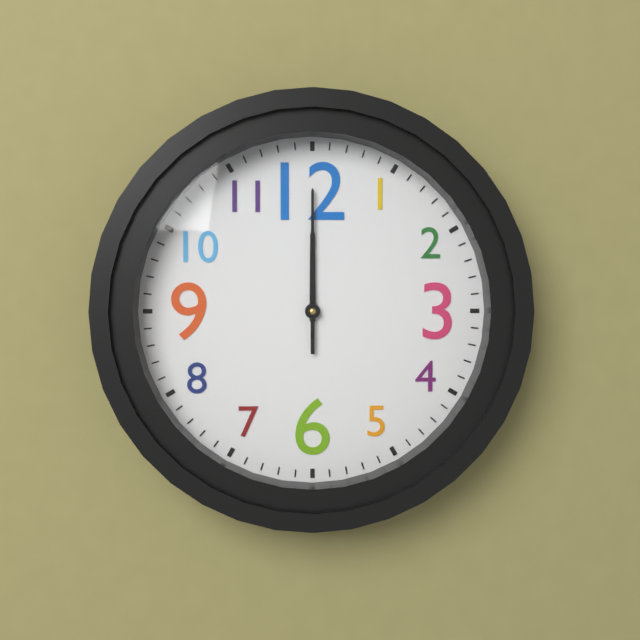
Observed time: **12:00**
